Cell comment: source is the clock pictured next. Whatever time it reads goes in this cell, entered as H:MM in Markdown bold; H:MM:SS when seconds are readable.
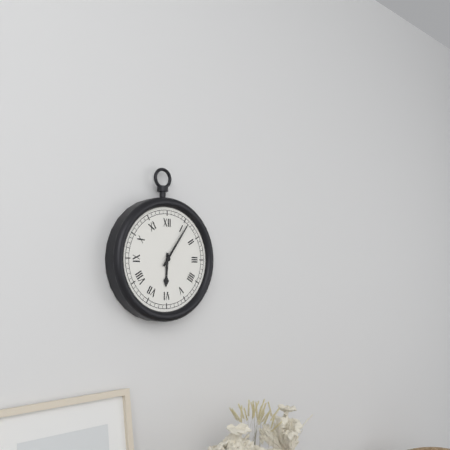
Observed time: **6:06**
